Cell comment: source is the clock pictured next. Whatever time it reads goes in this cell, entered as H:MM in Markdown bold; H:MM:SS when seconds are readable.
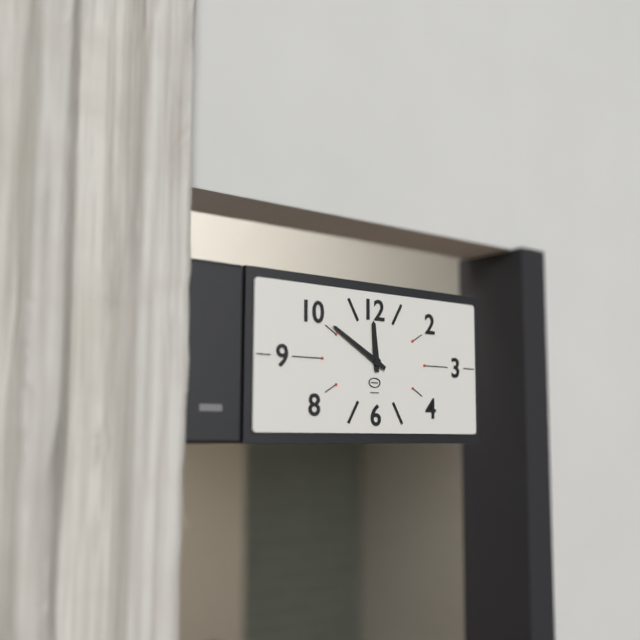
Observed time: **11:50**
